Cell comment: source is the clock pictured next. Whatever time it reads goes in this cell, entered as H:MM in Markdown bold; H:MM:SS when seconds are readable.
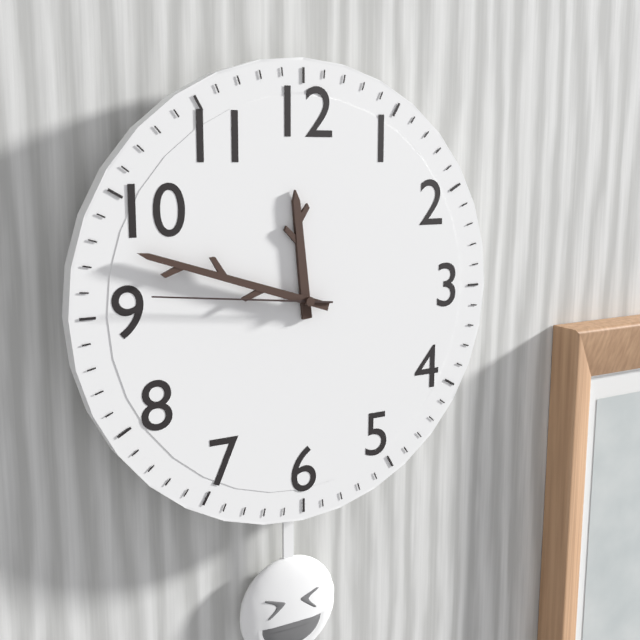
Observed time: **11:48:46**
